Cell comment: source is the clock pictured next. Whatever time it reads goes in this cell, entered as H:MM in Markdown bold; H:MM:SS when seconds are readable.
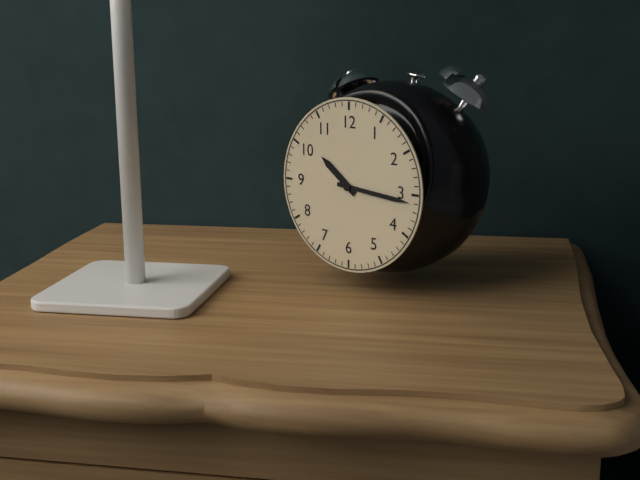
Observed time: **10:16**
